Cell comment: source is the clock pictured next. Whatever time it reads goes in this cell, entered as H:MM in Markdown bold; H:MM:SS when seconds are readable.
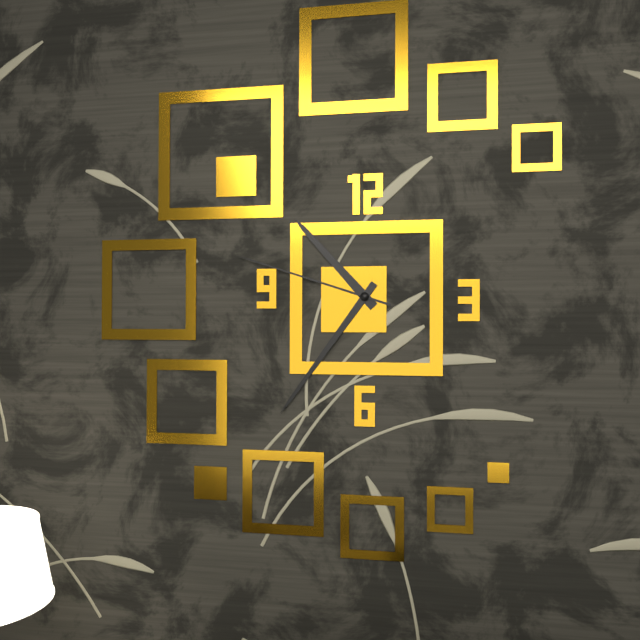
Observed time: **10:36:48**
